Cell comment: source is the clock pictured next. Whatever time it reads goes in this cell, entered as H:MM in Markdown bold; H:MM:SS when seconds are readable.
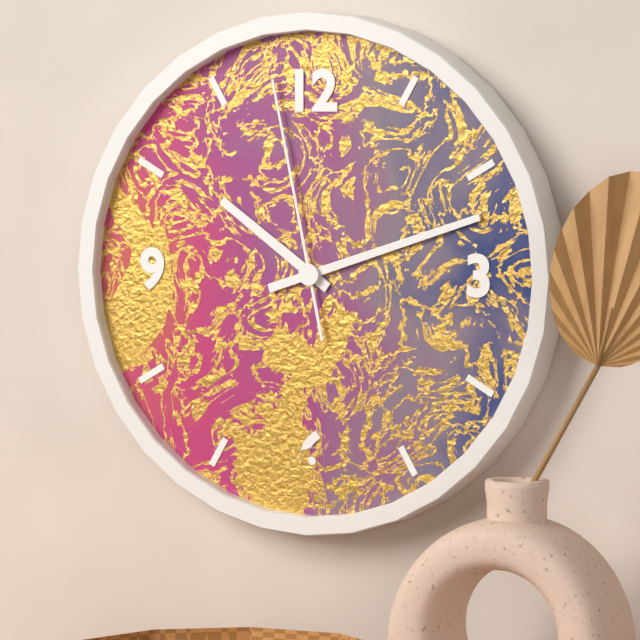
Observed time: **10:12:58**
